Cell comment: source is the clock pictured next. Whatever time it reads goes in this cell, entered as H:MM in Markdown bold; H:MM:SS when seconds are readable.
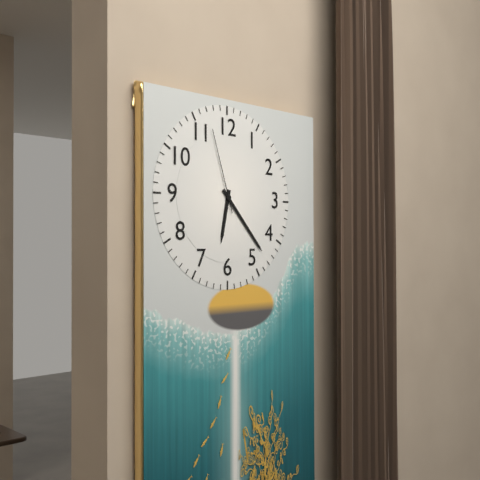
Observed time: **6:23:57**
